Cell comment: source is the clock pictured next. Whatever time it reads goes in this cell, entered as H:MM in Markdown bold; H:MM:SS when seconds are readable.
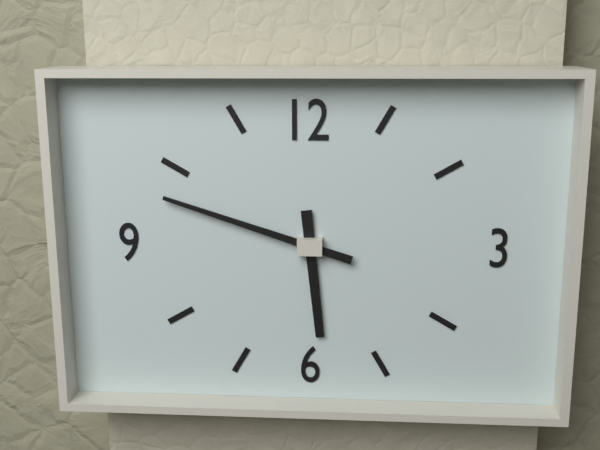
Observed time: **5:48**
